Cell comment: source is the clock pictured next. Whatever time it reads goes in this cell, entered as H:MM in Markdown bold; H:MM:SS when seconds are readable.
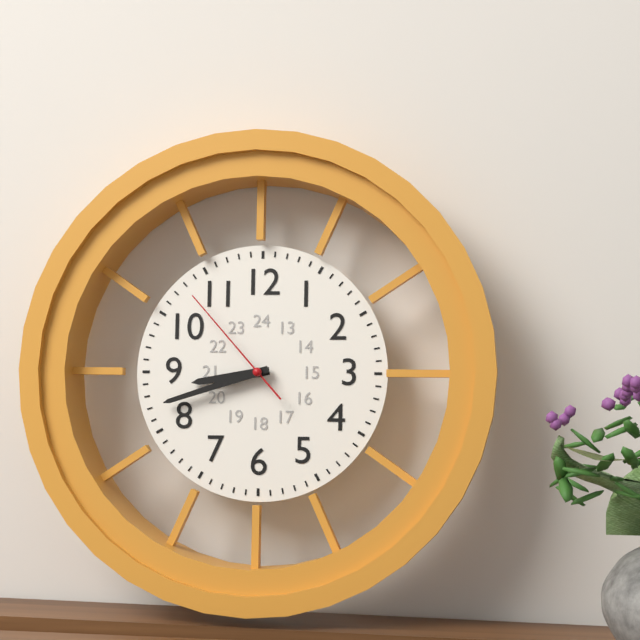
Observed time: **8:42:53**
